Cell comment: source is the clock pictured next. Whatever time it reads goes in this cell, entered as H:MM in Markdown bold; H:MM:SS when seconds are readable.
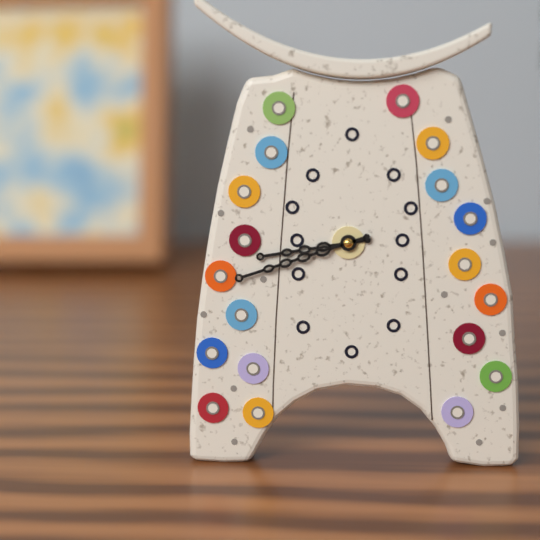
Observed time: **8:42**
